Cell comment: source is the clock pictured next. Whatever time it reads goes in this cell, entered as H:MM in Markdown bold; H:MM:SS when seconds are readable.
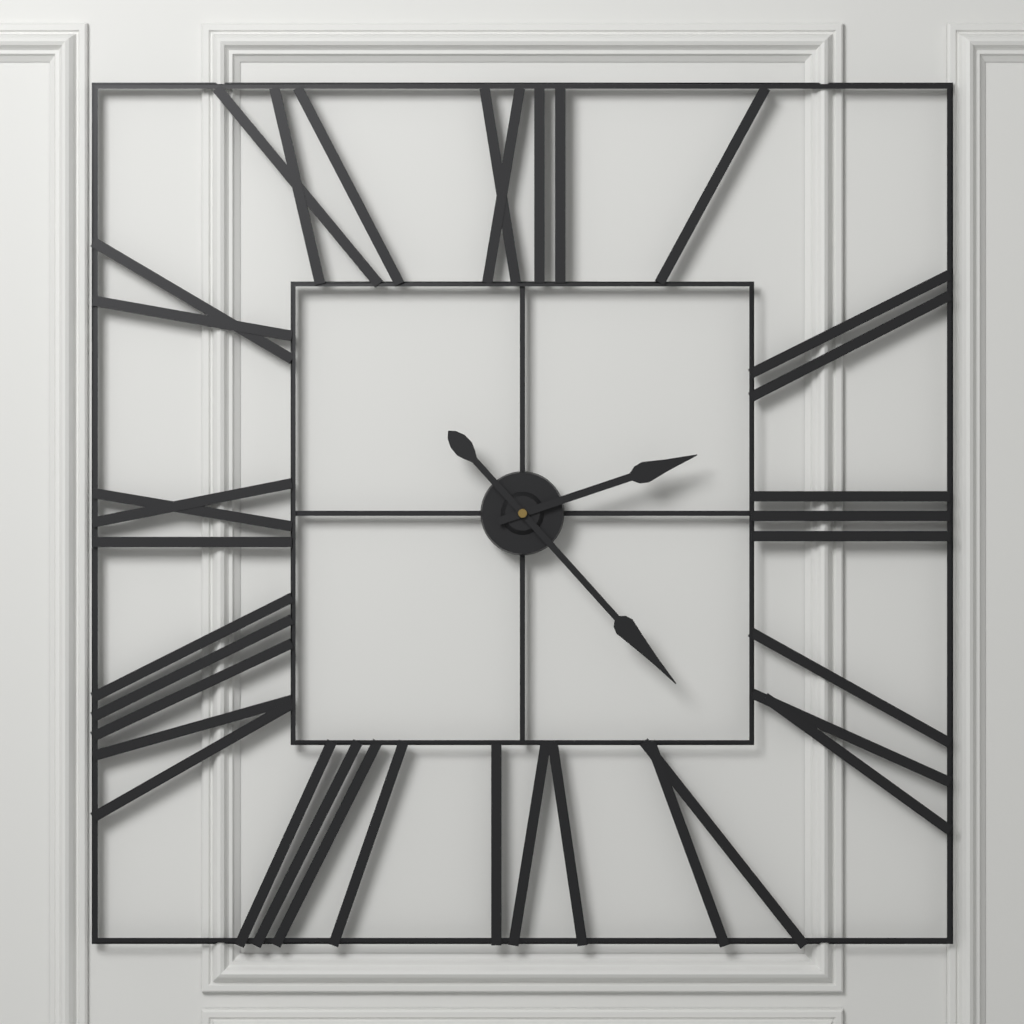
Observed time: **2:23**
